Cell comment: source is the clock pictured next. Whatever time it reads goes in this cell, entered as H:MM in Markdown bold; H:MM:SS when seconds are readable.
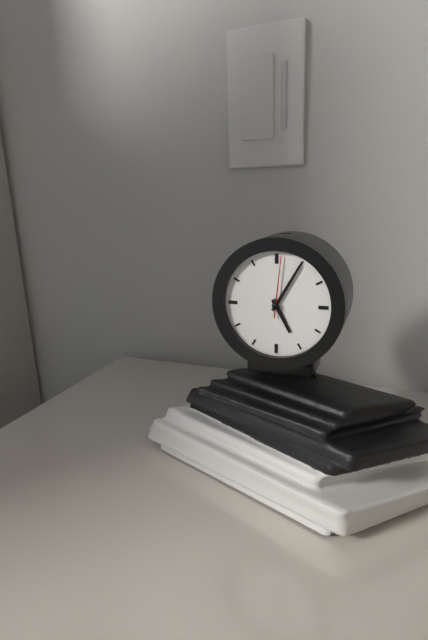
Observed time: **5:05:01**
